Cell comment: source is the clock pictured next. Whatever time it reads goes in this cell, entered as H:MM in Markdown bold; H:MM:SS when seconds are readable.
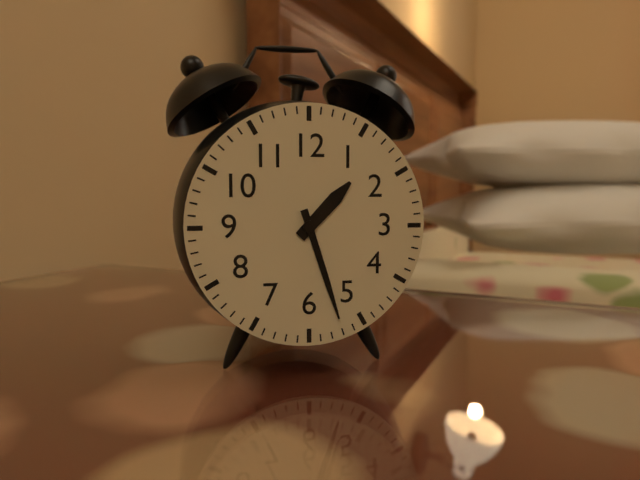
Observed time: **1:27**
